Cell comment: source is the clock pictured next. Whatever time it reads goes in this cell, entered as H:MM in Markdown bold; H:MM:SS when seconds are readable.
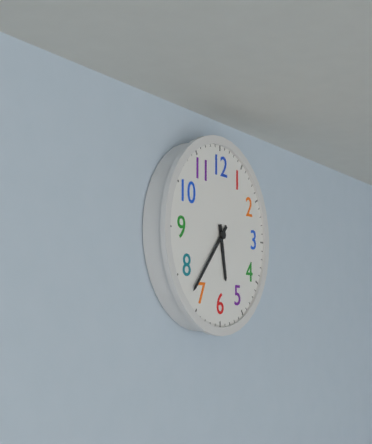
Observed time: **5:37**
